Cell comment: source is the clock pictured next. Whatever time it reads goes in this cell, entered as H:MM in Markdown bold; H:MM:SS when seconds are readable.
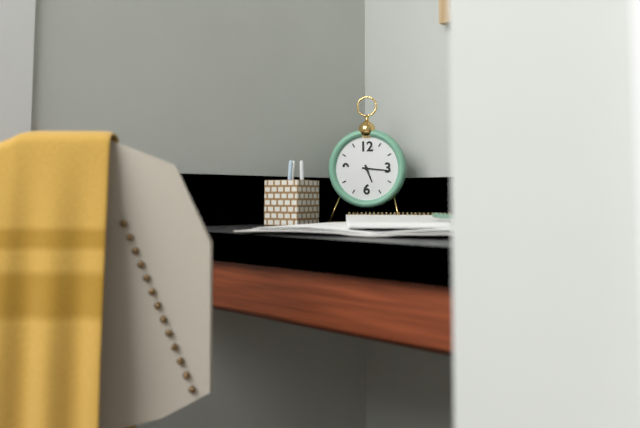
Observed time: **5:16**
